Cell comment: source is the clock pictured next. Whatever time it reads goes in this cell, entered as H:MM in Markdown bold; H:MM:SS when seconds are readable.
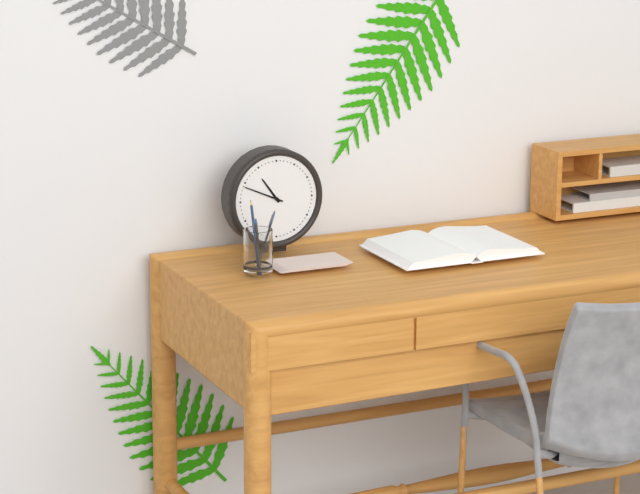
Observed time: **10:49**
